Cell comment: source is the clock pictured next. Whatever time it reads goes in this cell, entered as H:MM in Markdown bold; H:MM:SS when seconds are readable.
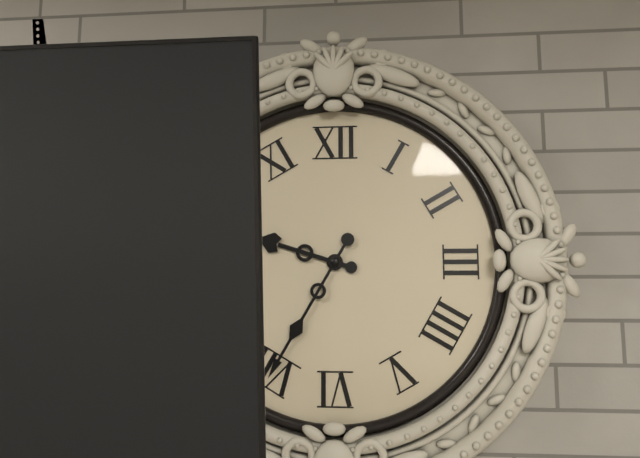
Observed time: **9:35**
